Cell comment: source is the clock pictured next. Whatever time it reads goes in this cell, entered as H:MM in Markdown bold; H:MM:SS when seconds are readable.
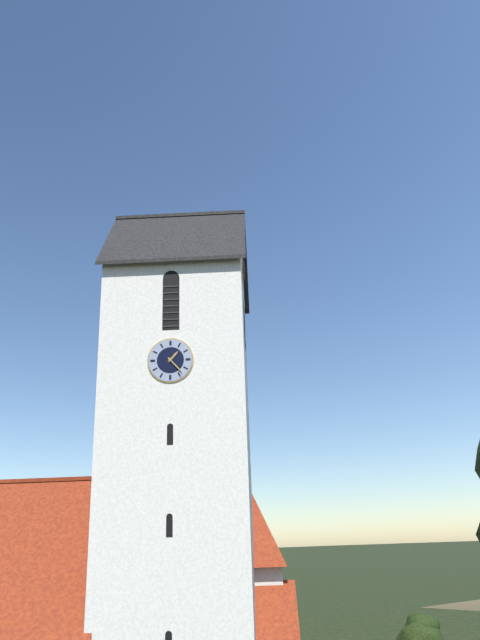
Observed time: **1:23**
